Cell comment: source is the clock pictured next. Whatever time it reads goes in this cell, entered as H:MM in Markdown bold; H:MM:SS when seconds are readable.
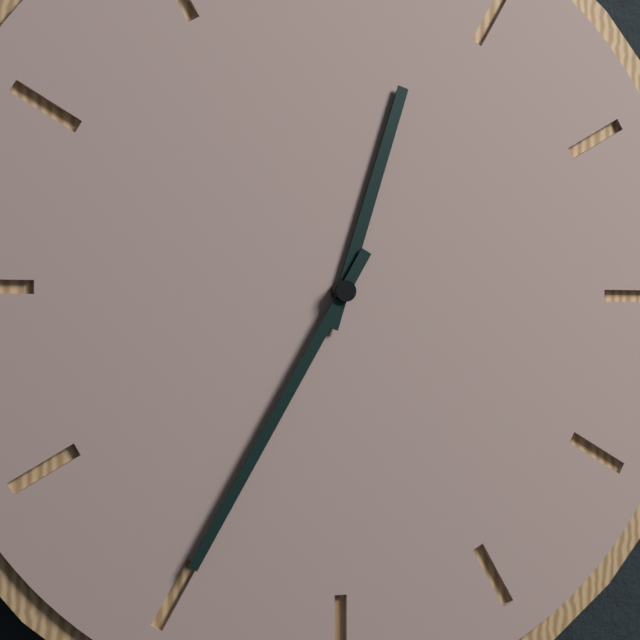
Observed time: **12:35**
